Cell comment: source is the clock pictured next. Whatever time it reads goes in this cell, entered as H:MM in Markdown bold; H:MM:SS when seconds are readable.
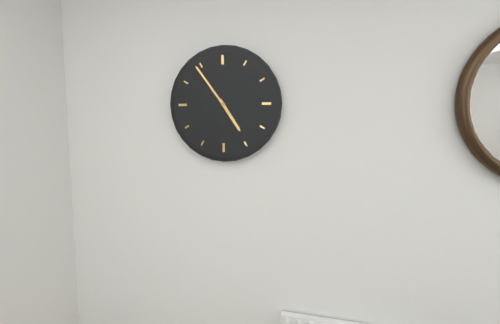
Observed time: **4:54**
